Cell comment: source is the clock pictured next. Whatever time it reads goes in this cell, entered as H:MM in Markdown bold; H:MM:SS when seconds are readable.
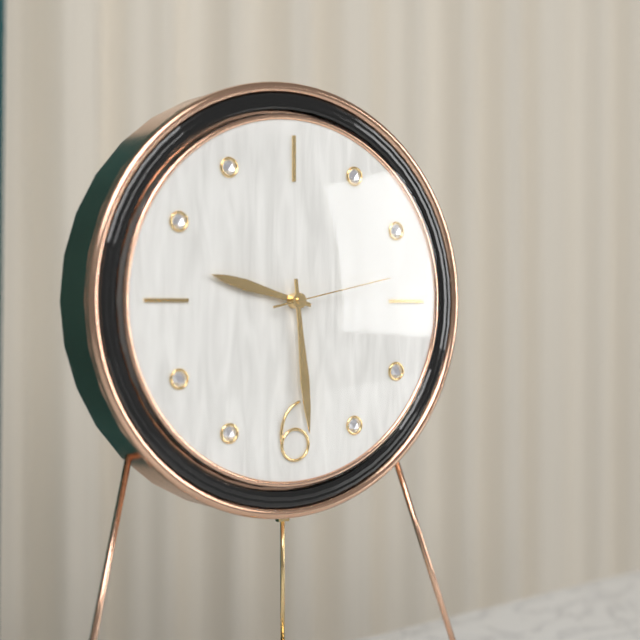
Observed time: **9:29:13**
